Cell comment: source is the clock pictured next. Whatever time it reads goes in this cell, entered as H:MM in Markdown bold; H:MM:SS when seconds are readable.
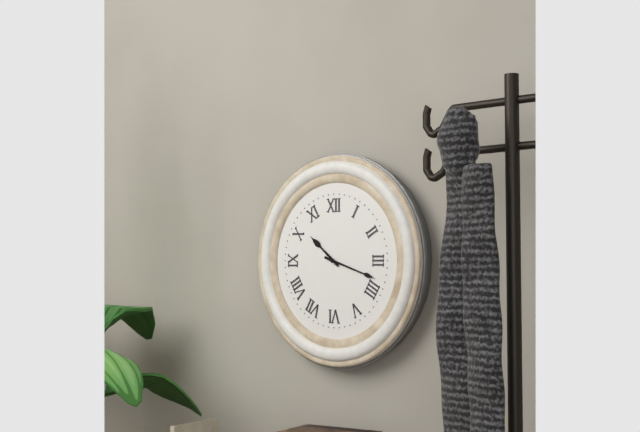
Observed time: **10:18**
